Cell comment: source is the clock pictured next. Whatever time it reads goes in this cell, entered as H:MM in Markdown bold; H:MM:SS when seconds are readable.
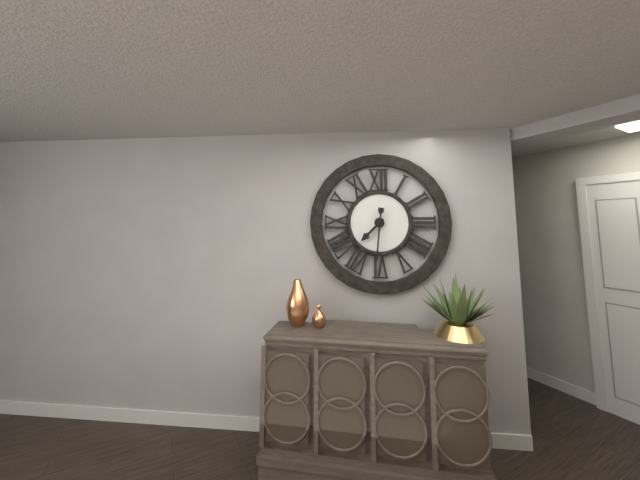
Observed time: **7:31**
